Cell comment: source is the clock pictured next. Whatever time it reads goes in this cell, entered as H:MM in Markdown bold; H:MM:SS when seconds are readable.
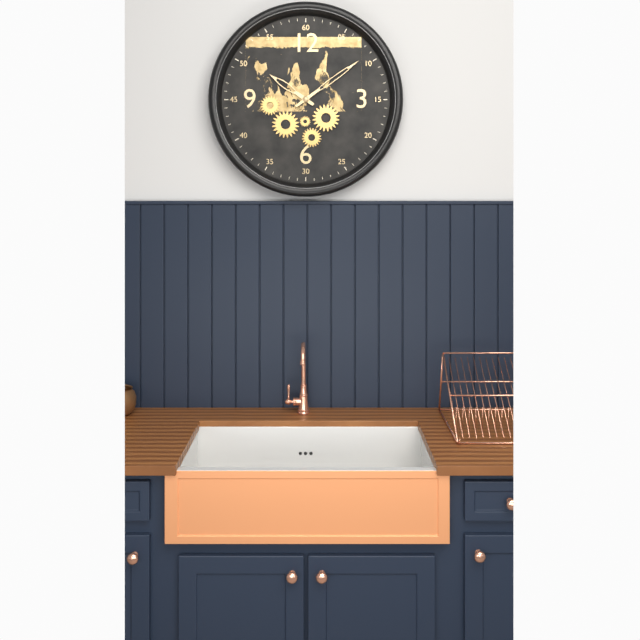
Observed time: **10:09**
